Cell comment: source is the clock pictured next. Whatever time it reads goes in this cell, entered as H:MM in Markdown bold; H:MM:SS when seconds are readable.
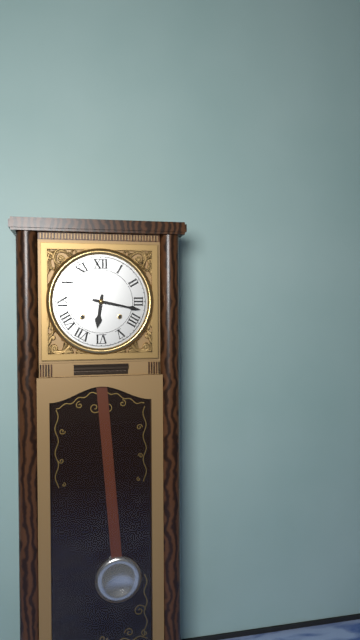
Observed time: **6:17**
